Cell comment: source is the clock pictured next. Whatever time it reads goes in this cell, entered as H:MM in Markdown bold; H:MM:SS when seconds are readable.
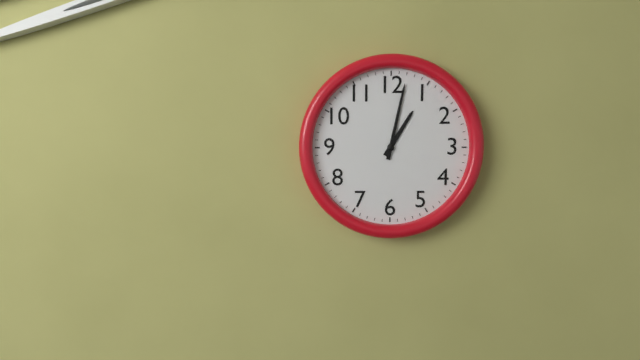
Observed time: **1:02**
